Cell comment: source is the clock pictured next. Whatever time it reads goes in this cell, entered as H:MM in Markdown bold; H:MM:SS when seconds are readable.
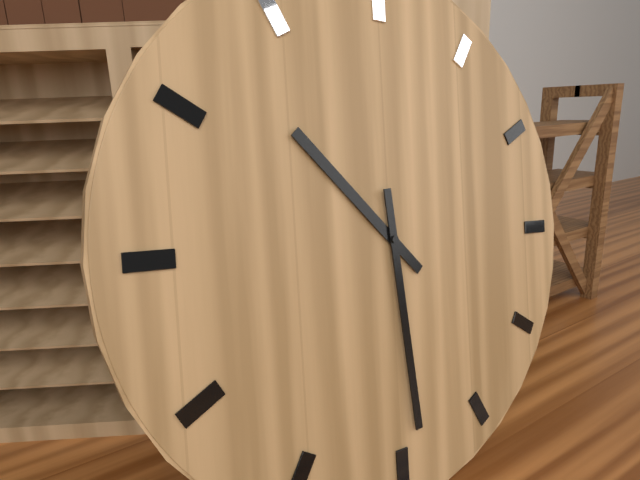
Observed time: **10:29**
